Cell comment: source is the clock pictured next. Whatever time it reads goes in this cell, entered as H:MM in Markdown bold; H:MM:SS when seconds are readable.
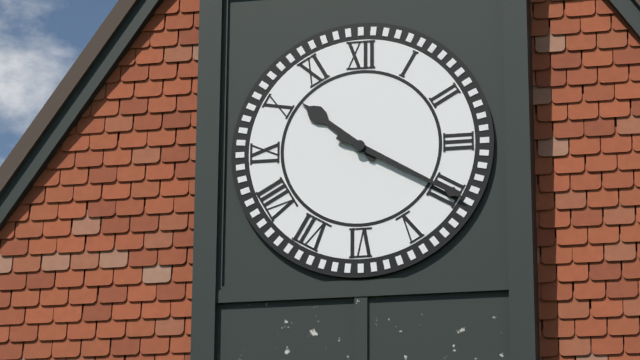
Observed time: **10:20**
